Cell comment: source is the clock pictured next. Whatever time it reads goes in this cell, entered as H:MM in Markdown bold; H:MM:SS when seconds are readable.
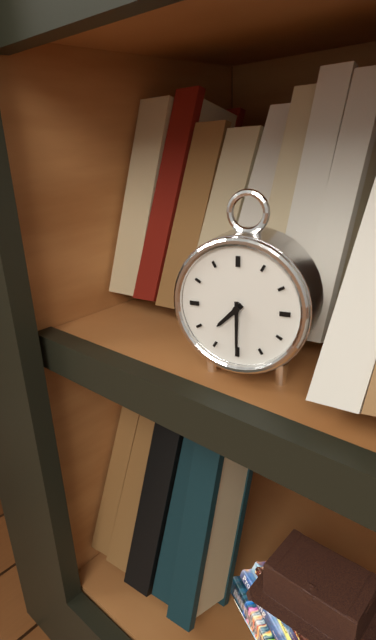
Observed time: **7:30**
